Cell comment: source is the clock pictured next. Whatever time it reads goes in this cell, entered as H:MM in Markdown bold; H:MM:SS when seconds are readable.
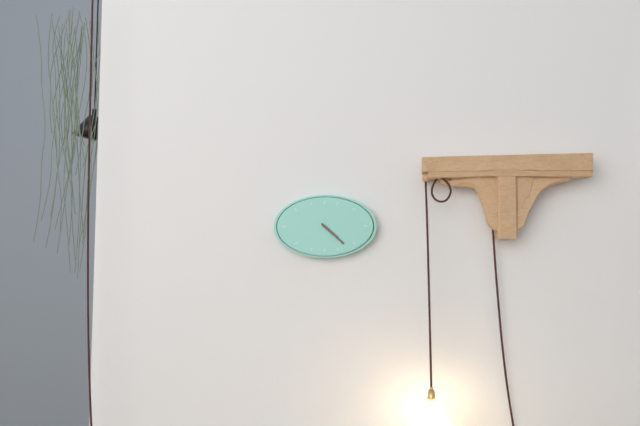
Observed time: **4:22**
